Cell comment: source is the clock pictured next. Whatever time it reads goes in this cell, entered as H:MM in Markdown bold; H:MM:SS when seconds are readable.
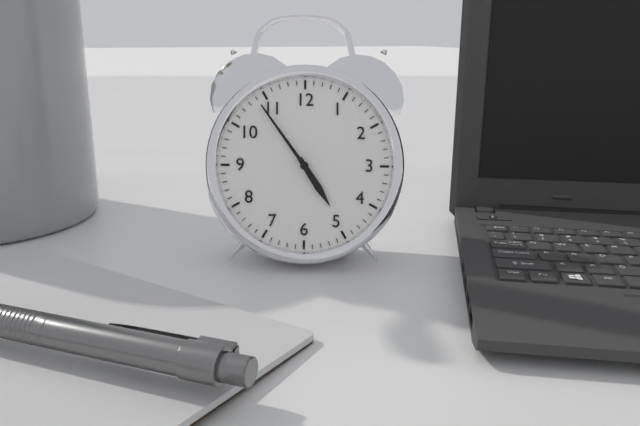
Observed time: **4:54**
